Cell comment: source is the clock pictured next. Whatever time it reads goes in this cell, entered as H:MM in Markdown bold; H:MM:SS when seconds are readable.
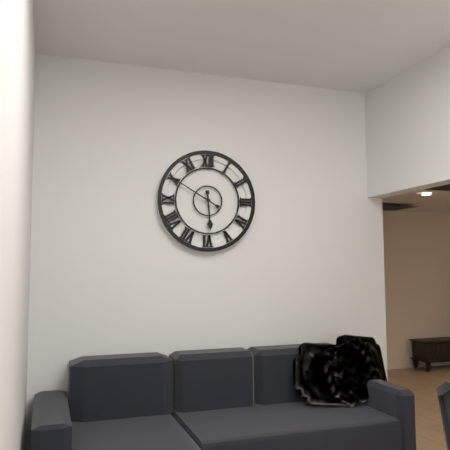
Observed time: **5:50**
